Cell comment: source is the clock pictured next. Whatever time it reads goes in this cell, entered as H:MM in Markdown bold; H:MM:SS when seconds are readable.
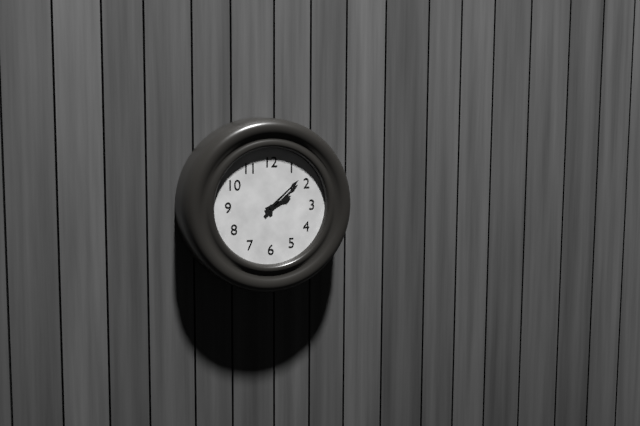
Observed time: **2:08**
